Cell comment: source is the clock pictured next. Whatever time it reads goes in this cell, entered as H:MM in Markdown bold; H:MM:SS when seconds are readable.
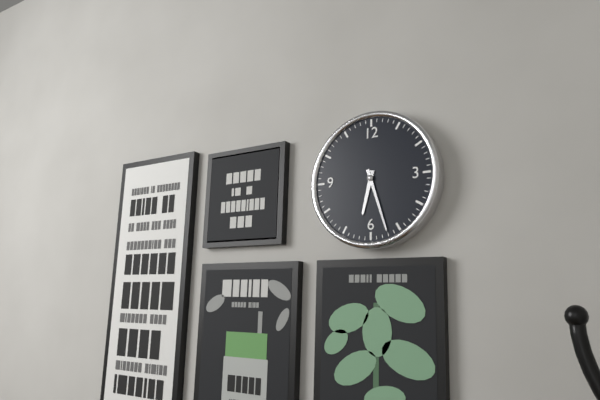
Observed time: **6:27**
